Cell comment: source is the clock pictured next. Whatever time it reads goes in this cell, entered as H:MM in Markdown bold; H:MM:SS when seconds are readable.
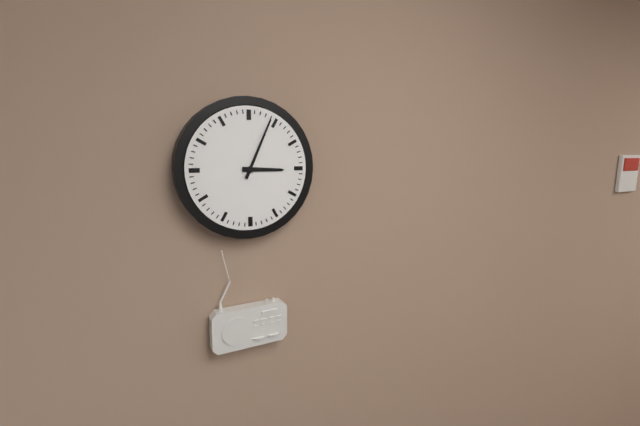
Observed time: **3:04**
